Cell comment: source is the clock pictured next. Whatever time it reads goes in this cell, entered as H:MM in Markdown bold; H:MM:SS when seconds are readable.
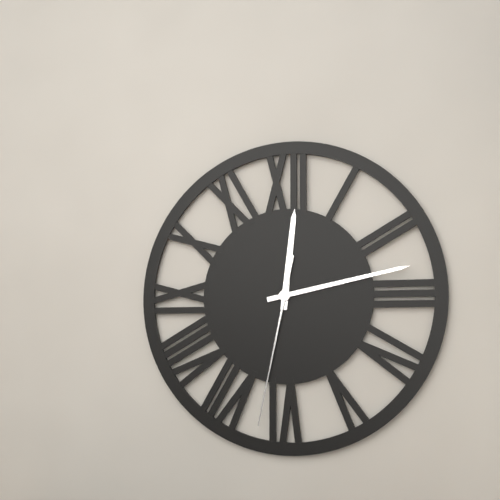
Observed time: **12:13:32**
